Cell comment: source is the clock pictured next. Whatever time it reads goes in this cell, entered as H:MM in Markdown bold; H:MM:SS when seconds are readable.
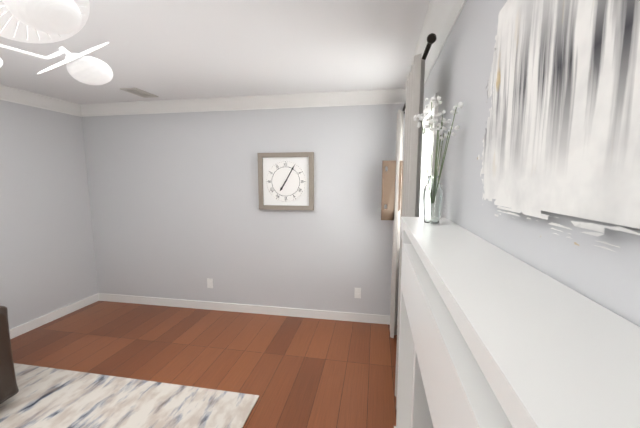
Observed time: **7:05**
